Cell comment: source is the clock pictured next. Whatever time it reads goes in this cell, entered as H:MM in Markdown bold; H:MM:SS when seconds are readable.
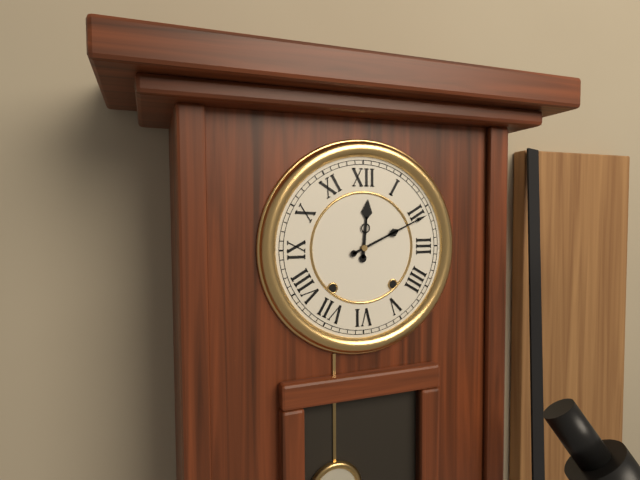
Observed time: **12:11**
